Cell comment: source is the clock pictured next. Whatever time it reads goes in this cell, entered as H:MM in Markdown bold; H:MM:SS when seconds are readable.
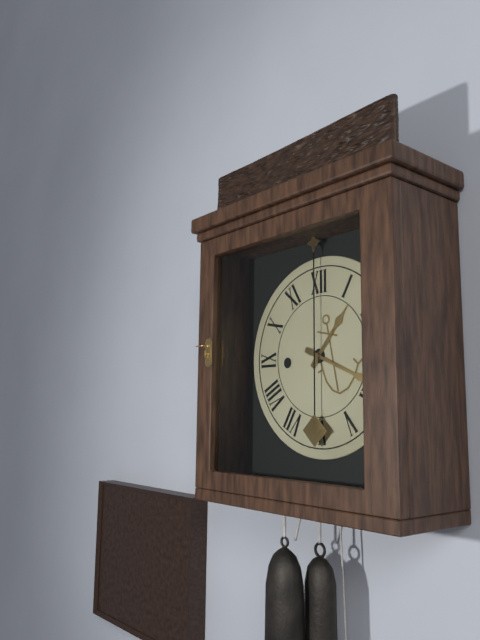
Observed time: **1:19**
